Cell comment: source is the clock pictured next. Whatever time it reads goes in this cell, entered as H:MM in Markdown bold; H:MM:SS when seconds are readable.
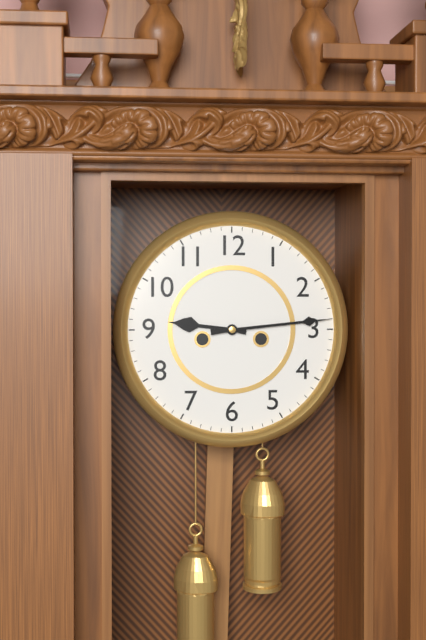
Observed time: **9:14**
